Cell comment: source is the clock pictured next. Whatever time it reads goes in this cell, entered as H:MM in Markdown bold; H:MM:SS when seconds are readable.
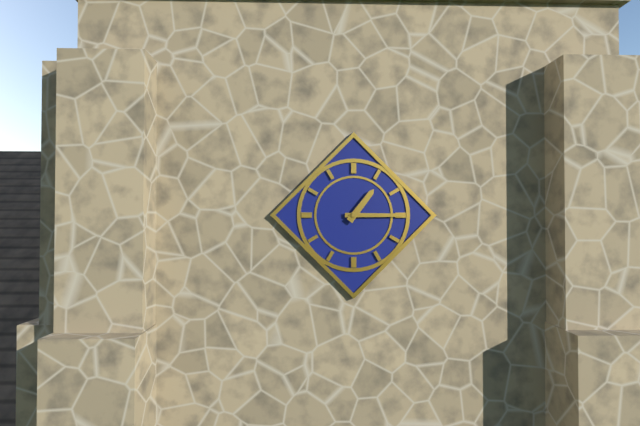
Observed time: **1:15**
